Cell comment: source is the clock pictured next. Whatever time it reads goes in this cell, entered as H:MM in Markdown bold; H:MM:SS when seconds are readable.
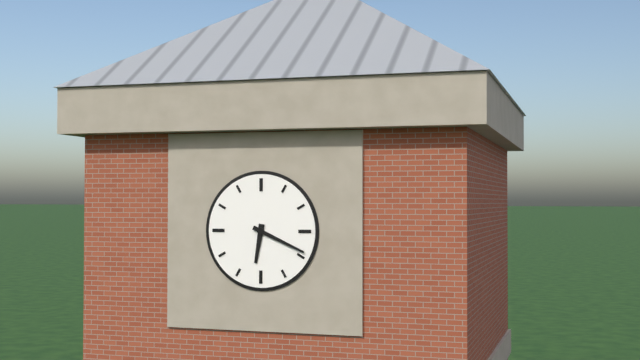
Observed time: **6:19**
